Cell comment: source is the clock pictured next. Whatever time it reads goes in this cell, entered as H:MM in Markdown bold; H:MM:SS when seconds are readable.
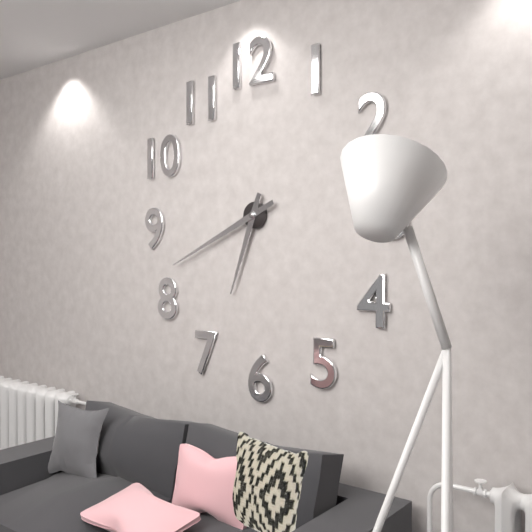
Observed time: **6:41**
